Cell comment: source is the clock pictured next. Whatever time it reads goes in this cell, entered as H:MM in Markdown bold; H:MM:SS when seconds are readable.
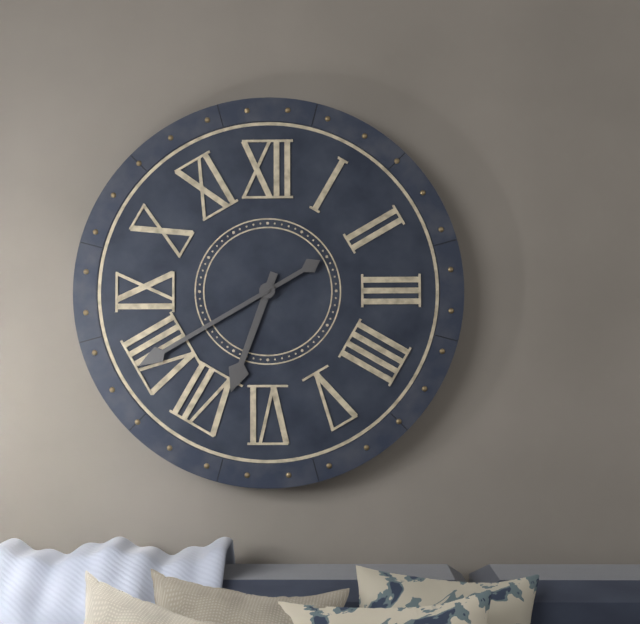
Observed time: **6:40**
